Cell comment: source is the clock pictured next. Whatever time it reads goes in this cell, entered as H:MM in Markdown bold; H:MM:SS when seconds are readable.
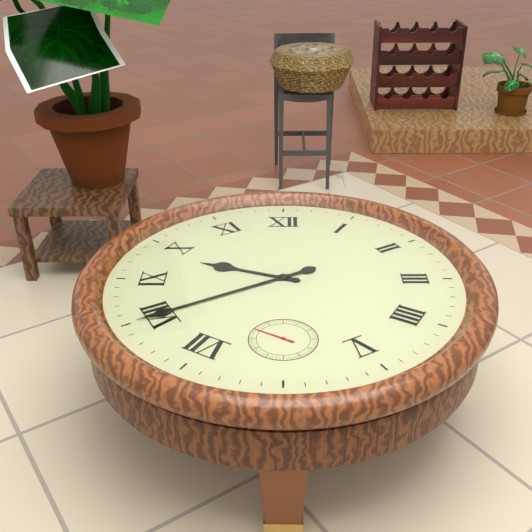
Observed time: **9:40**
